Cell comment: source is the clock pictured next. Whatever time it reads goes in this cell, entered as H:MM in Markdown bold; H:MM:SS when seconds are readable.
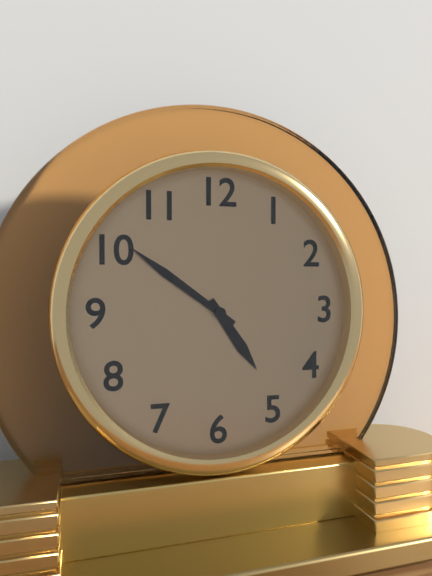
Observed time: **4:51**
